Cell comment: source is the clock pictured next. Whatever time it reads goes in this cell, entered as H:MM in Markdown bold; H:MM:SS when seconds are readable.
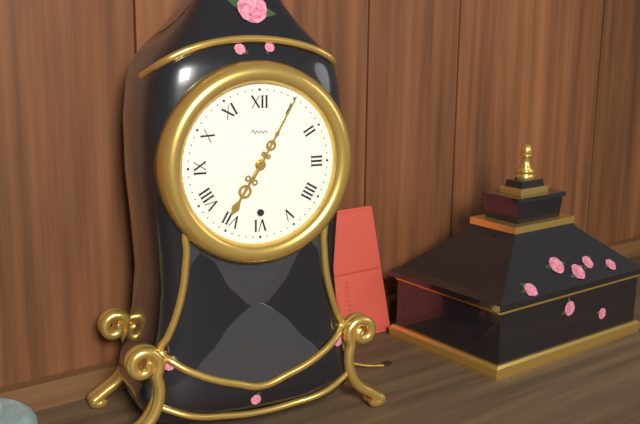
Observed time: **7:05**
